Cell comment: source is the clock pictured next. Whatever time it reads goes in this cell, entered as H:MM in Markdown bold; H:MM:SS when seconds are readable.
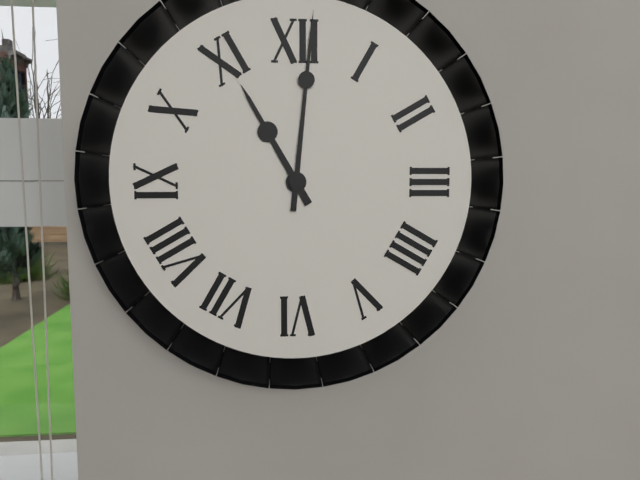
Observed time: **11:01**
